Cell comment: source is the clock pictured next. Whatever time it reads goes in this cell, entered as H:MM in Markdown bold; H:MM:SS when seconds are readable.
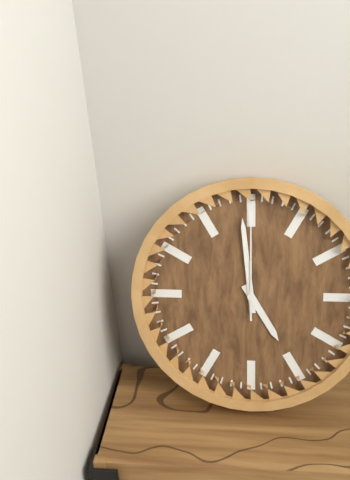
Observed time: **4:59:00**
